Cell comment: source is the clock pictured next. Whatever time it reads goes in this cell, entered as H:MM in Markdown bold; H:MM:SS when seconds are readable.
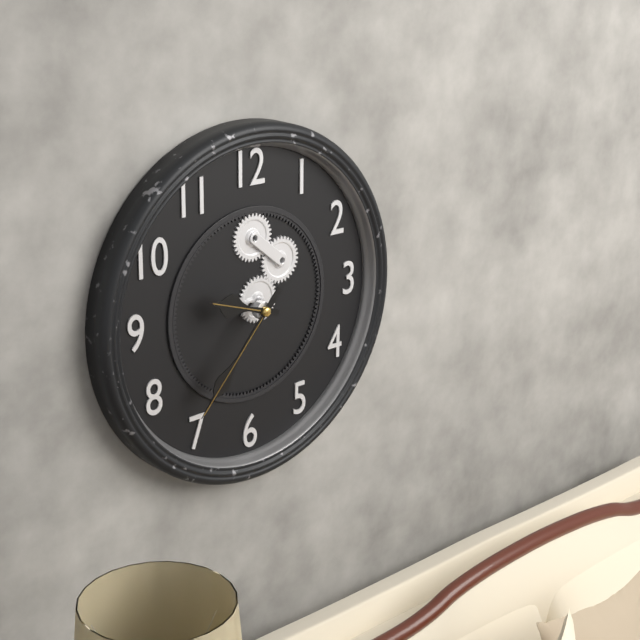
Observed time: **9:37**
